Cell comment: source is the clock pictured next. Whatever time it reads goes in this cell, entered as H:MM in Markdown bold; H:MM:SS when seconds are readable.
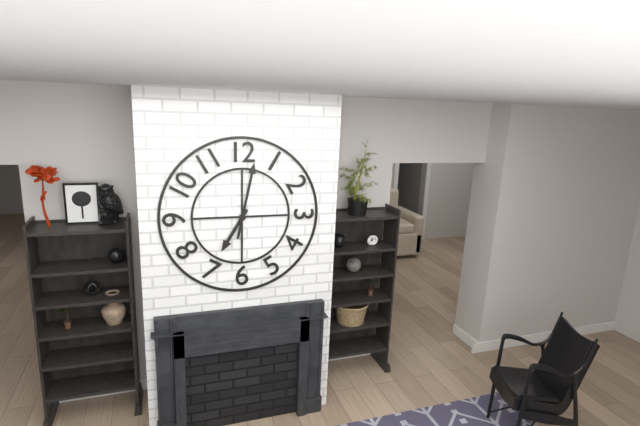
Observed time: **7:02**
